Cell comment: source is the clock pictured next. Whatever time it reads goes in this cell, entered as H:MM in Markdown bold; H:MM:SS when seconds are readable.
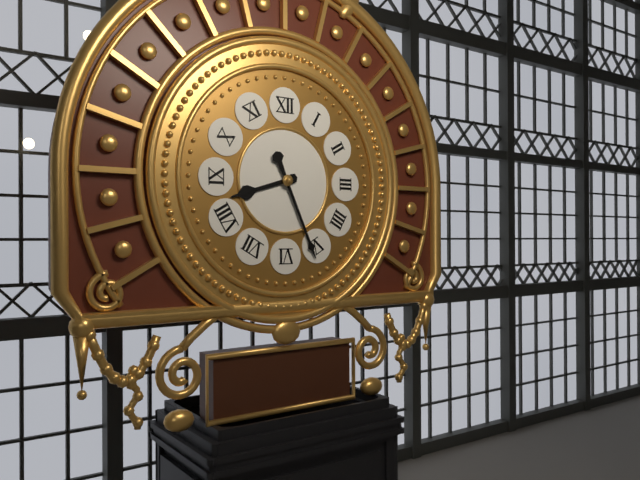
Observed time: **8:26**
